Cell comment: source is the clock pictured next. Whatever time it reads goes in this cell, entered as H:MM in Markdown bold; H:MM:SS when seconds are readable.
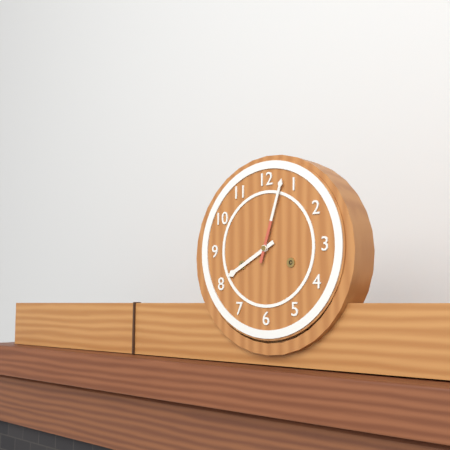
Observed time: **8:03**
